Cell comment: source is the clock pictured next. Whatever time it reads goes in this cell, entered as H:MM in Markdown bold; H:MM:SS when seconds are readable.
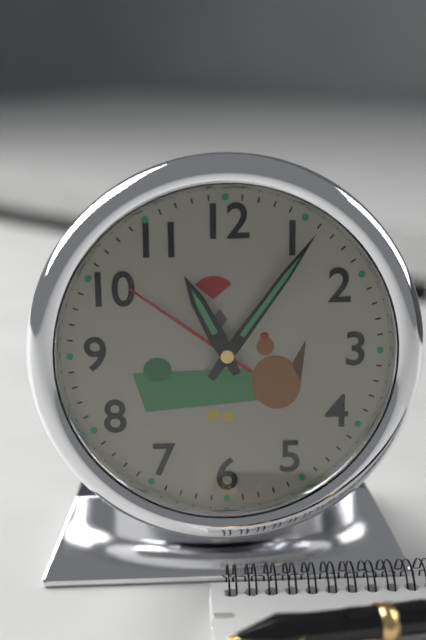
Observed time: **11:06**
